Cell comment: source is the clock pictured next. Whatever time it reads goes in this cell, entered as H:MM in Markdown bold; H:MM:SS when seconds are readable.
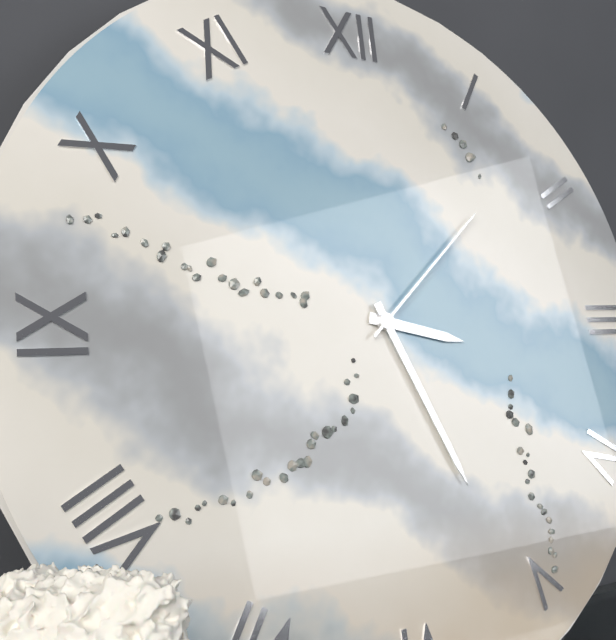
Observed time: **3:26:08**
